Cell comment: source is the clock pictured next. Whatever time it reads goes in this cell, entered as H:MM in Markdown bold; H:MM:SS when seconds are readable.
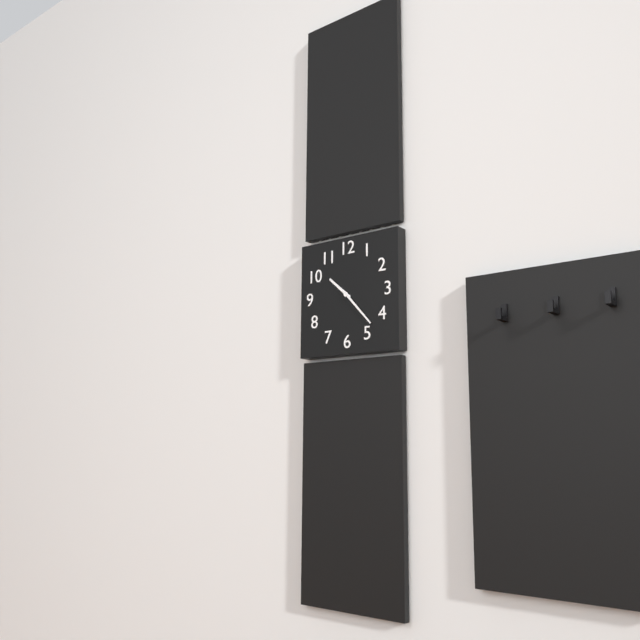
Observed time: **10:23**
